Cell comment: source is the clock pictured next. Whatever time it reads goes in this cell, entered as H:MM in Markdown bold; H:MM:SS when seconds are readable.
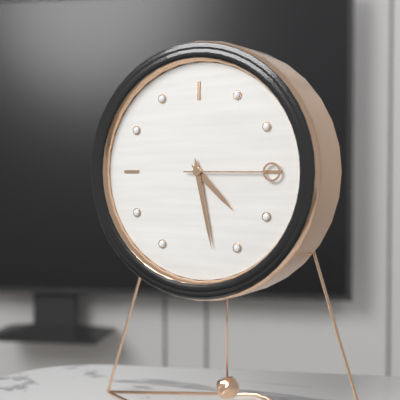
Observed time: **4:28:15**
